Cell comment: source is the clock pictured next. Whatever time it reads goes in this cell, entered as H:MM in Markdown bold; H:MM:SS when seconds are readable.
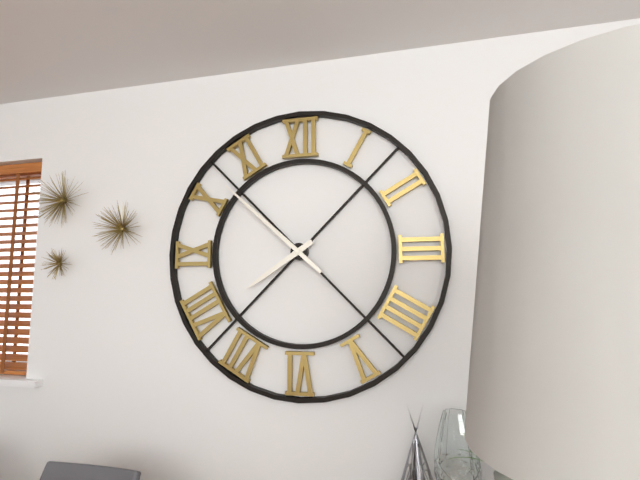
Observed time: **7:52**
